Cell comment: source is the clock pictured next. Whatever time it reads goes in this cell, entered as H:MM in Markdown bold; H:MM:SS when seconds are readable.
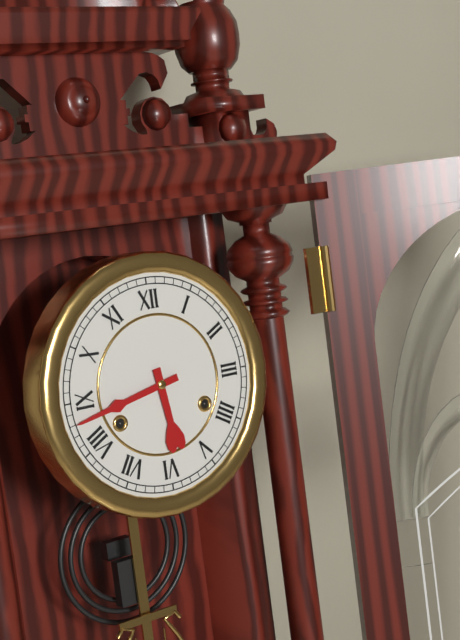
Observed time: **5:43**
